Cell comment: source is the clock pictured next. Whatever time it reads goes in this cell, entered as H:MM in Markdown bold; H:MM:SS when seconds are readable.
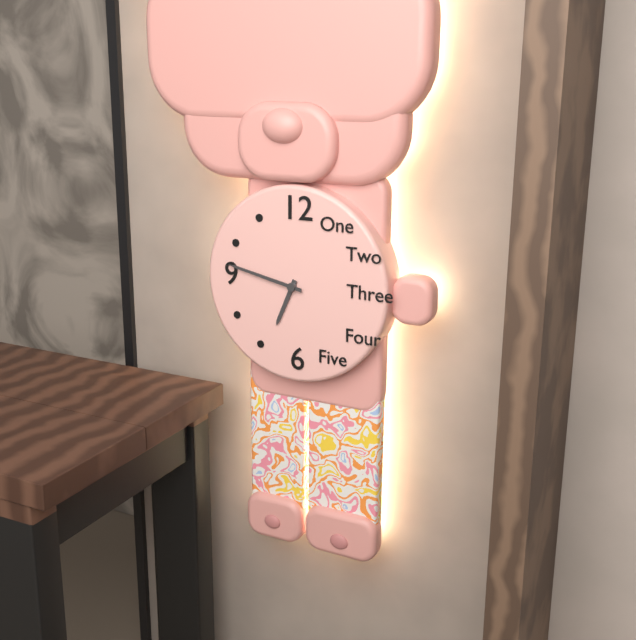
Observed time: **6:47**
